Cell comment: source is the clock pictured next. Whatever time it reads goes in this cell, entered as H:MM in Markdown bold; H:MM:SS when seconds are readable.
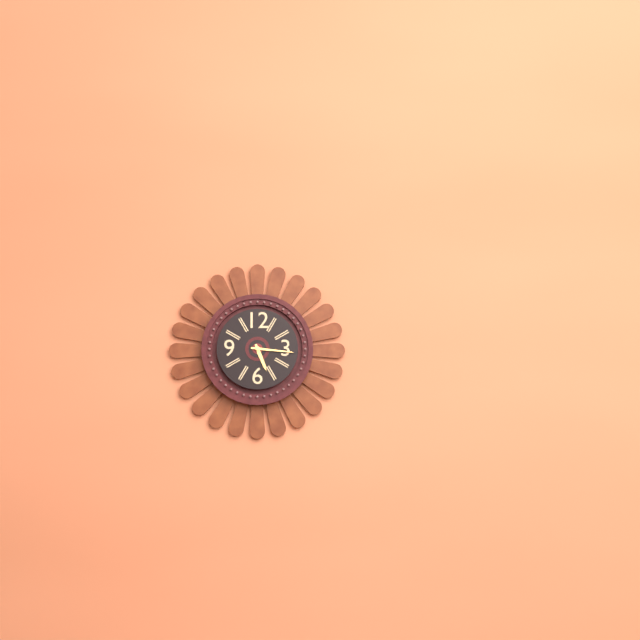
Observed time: **5:16**
